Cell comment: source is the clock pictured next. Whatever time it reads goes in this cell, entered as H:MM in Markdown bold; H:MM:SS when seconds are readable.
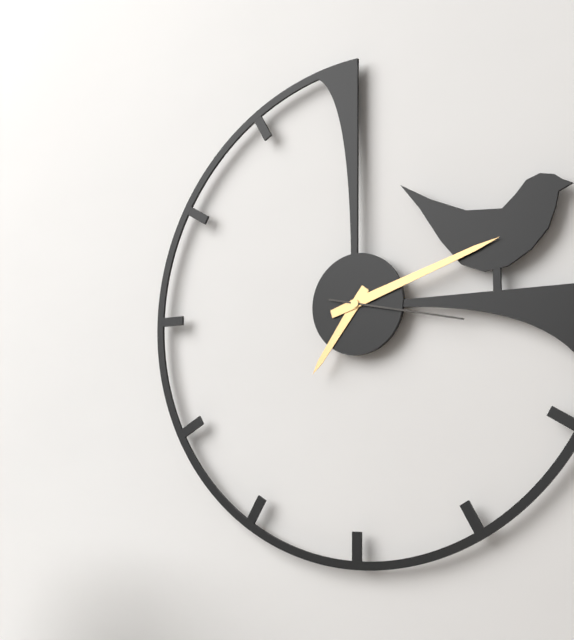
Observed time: **7:12:17**
